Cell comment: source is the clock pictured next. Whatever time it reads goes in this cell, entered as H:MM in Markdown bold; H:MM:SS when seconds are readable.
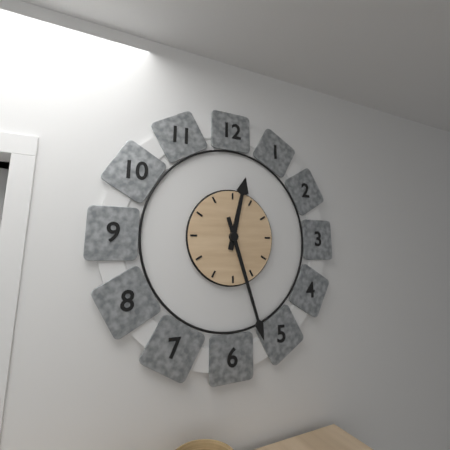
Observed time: **12:27**
